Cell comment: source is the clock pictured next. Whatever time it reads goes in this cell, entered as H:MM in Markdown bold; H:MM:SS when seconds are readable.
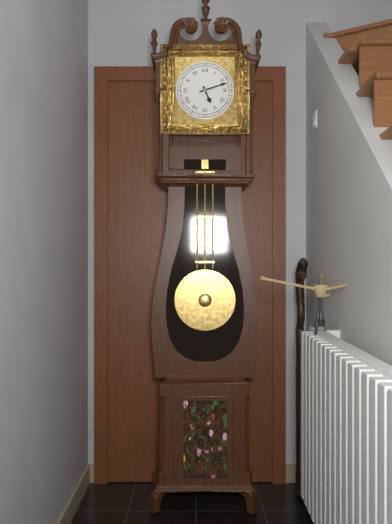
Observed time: **5:12**
